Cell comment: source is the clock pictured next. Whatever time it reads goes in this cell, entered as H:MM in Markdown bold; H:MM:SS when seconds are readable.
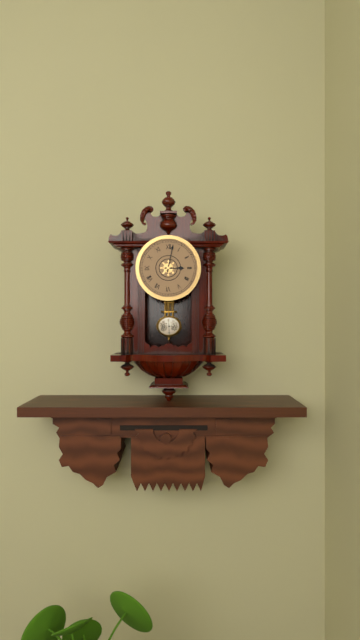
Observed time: **3:02**
